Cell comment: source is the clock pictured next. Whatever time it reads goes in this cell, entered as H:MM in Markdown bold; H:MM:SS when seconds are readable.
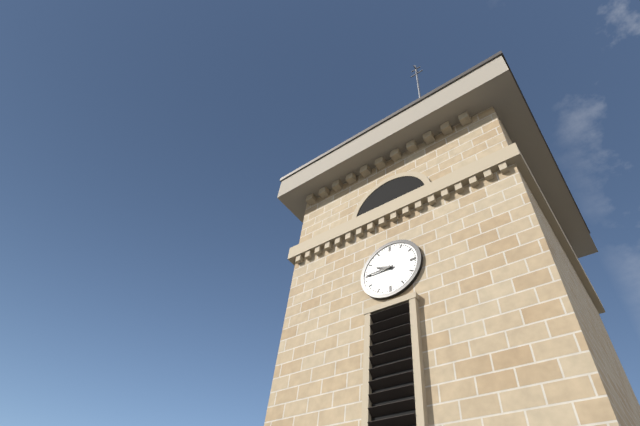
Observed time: **9:45**
